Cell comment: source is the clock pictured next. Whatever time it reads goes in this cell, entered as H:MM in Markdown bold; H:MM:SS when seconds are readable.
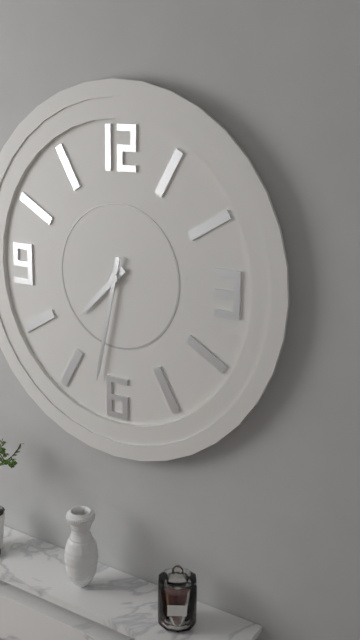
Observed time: **7:32**
